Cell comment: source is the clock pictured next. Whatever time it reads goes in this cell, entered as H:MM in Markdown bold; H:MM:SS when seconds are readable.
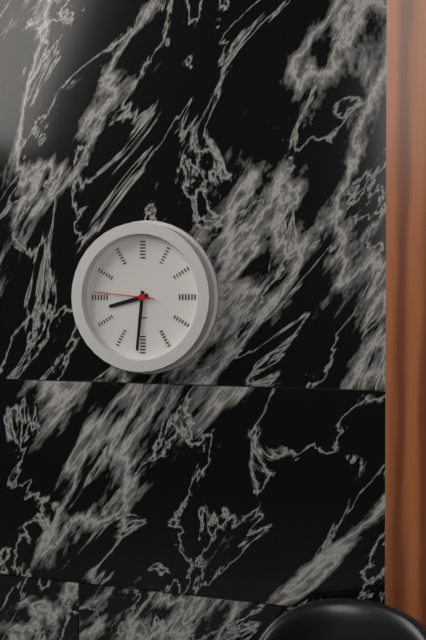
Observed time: **8:31:46**
